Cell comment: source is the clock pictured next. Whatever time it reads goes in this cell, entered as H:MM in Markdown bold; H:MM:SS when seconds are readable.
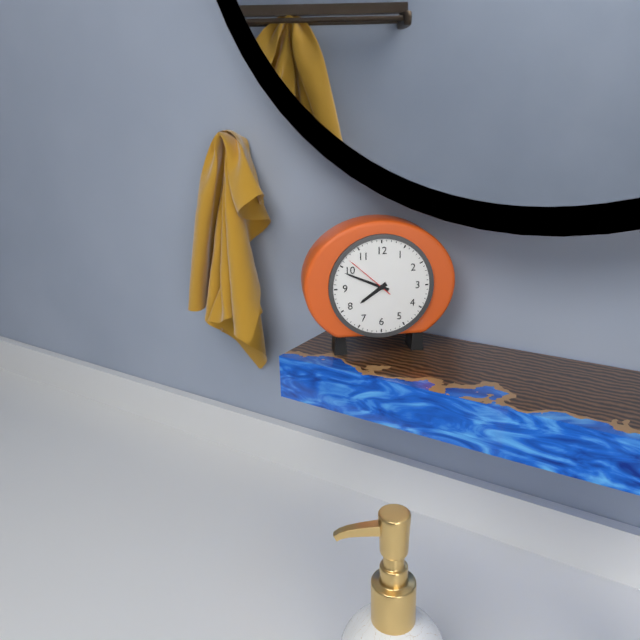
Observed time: **7:49:52**
